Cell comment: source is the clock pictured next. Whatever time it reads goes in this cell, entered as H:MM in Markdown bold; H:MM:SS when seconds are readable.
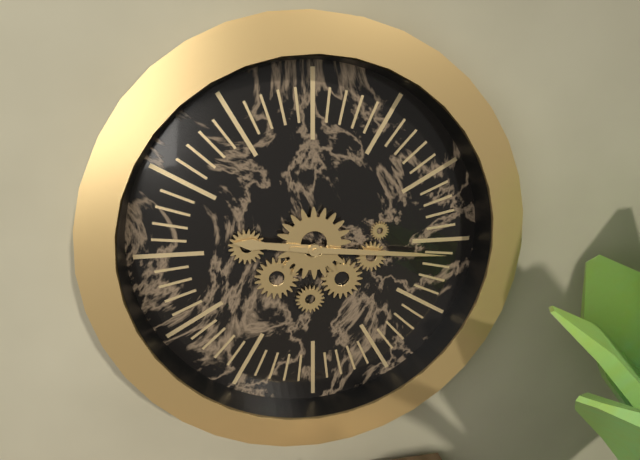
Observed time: **9:16**
